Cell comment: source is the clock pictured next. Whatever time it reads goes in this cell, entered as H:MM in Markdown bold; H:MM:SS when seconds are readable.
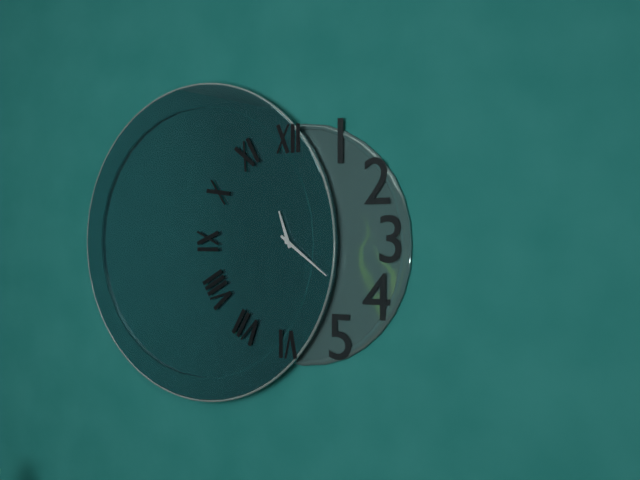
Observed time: **11:21**
